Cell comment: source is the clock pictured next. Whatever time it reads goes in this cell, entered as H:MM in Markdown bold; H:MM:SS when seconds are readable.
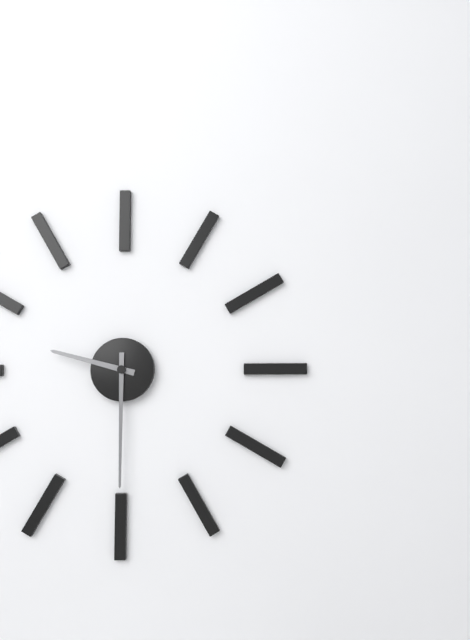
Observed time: **9:30**
